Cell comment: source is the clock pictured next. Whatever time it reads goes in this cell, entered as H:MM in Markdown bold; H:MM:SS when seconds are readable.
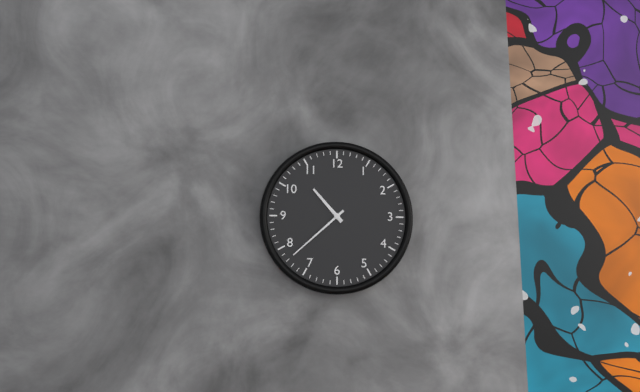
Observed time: **10:38**
